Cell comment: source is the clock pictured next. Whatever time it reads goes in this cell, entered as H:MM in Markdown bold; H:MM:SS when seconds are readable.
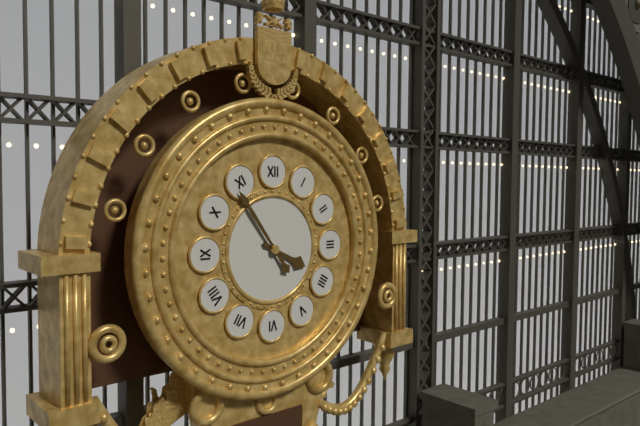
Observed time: **3:54**
